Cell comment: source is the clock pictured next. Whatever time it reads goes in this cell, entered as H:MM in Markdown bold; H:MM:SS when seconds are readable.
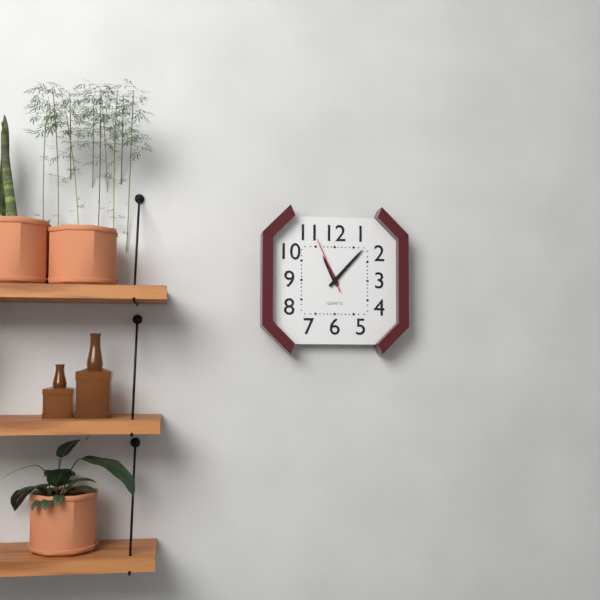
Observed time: **11:07:56**
